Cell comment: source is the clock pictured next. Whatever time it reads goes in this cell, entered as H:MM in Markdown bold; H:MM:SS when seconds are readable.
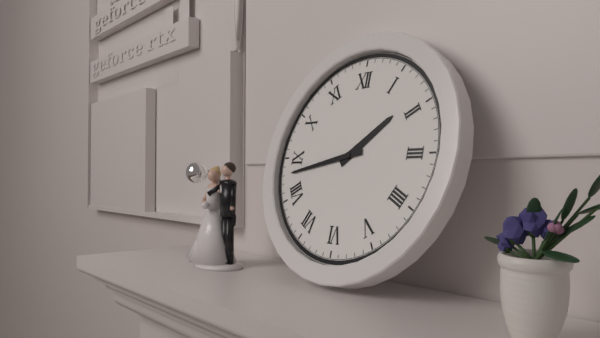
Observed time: **1:43**
